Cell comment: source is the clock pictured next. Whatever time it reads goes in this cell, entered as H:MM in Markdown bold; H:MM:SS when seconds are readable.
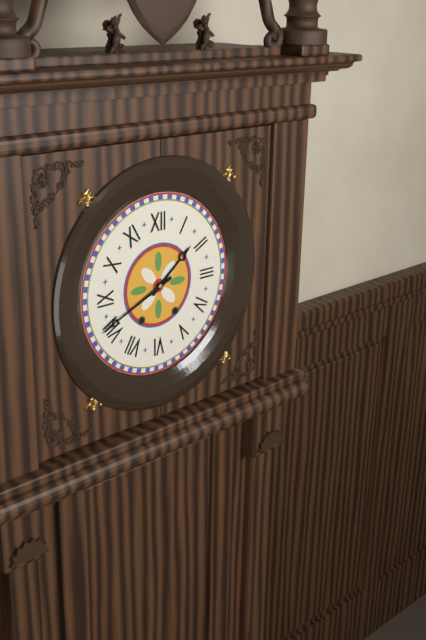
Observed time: **1:41**
